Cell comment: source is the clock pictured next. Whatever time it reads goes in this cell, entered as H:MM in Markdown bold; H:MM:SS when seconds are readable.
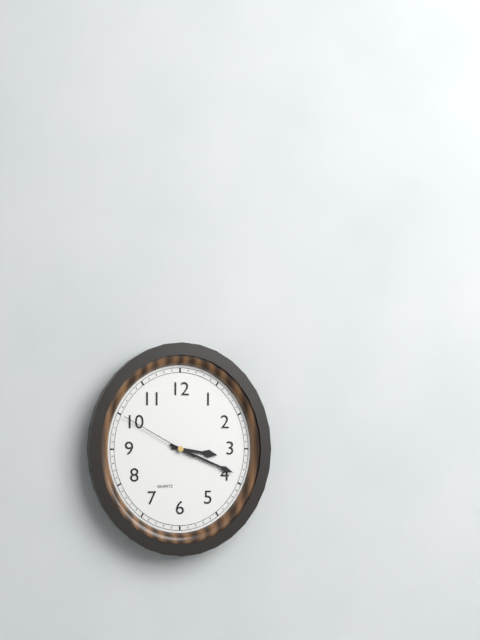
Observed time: **3:19:50**
